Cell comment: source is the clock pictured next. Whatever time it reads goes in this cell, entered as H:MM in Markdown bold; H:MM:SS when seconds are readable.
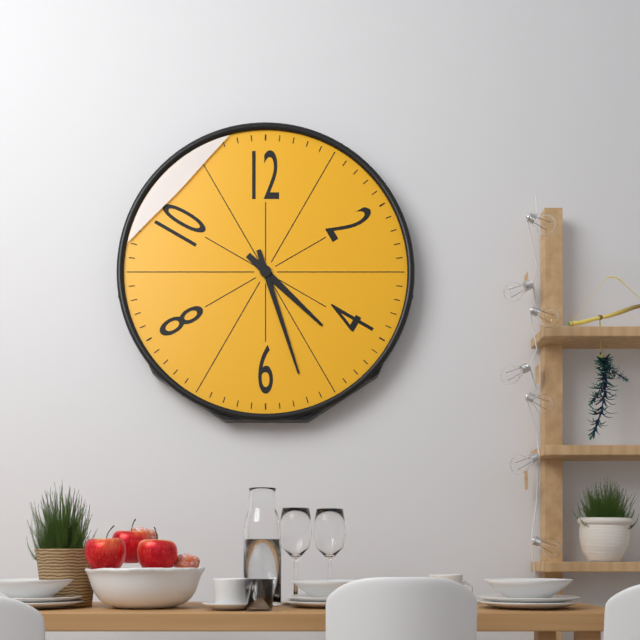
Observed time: **4:27**
